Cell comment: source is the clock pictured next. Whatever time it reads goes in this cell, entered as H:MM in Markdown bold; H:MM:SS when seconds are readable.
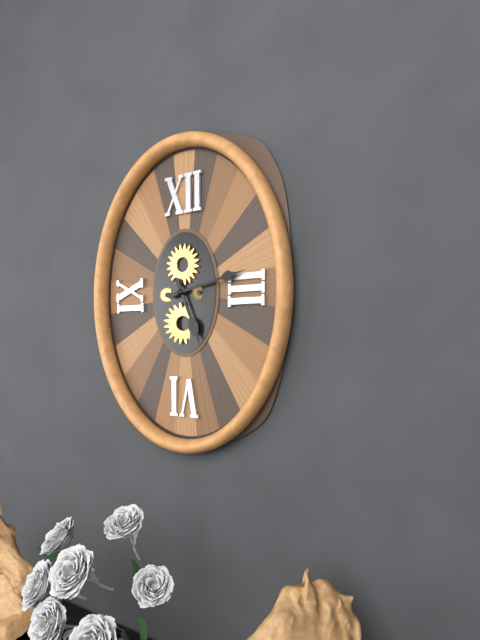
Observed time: **5:13**
